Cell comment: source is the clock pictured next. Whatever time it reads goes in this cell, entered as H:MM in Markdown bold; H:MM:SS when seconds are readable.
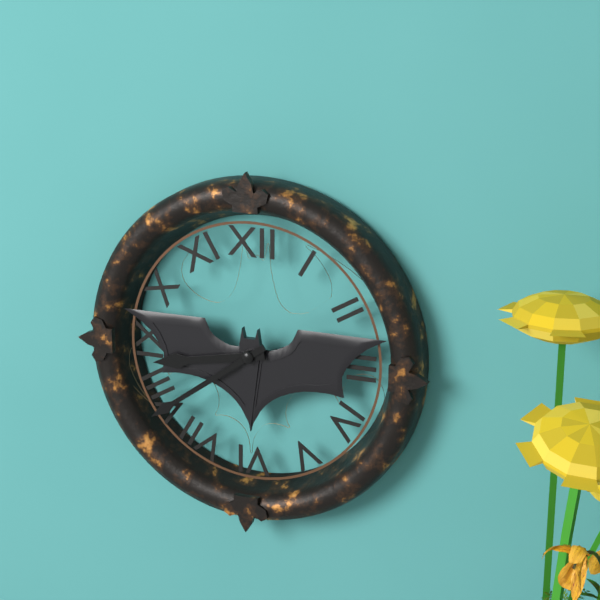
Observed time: **8:39**
